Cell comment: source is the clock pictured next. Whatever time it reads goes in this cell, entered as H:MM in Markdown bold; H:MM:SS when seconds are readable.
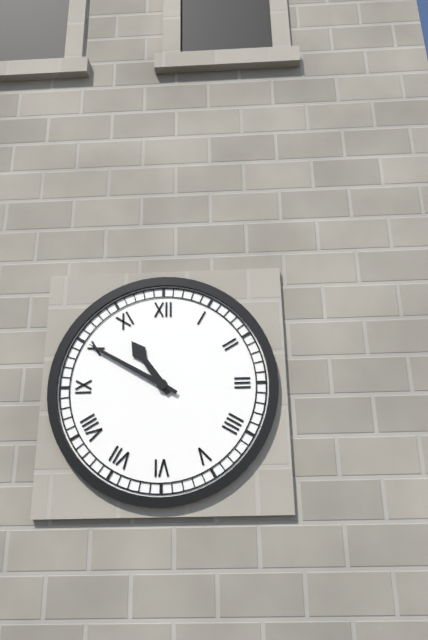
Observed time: **10:50**
